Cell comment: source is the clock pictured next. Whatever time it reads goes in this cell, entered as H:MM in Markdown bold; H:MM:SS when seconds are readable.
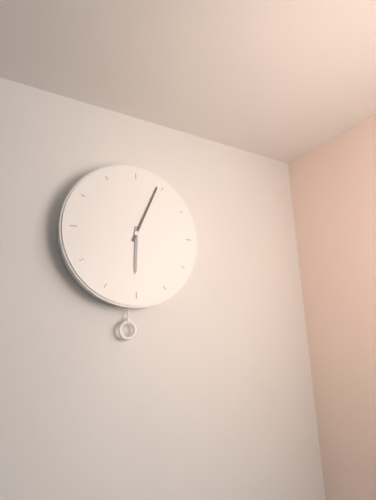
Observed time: **6:04**
